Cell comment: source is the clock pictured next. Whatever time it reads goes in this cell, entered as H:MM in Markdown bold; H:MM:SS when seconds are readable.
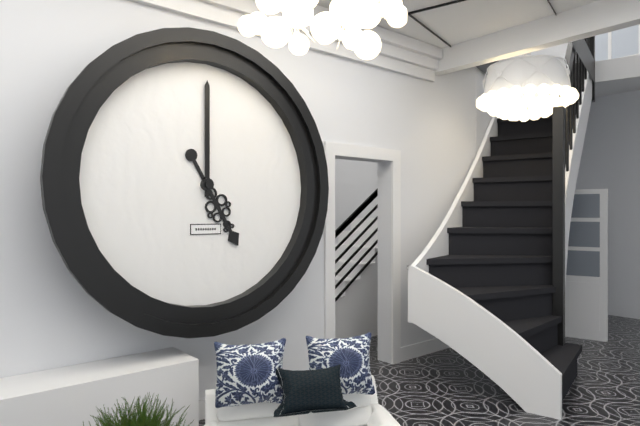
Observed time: **5:00**
